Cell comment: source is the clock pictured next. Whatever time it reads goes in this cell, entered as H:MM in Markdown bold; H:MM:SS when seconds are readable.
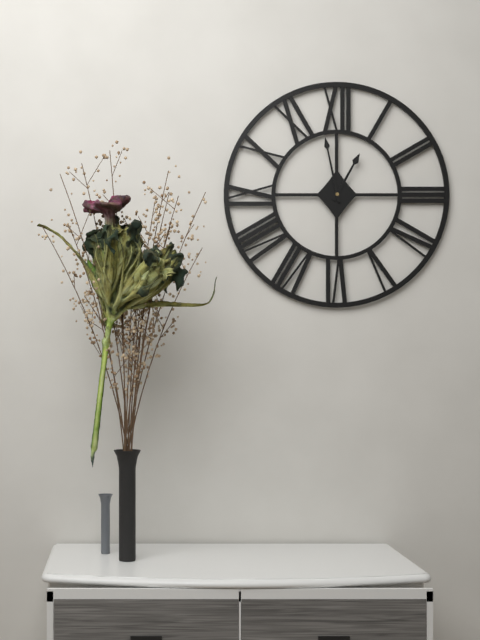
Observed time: **12:58**
